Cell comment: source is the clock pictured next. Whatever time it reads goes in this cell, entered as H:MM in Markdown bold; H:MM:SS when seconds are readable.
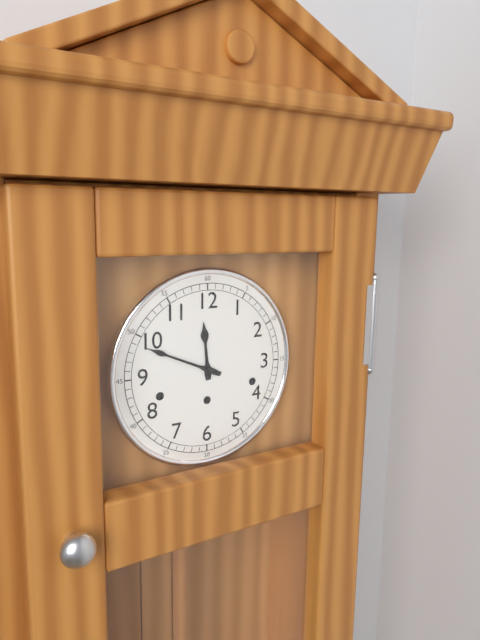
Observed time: **11:49**
